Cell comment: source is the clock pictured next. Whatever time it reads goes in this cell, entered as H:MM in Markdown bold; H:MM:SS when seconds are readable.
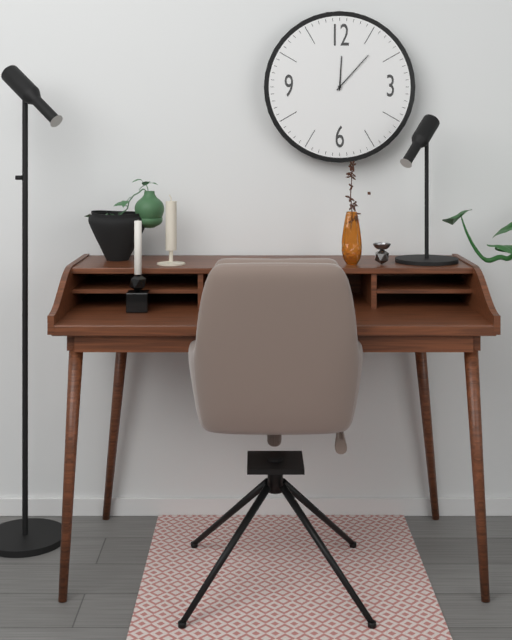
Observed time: **12:07**
